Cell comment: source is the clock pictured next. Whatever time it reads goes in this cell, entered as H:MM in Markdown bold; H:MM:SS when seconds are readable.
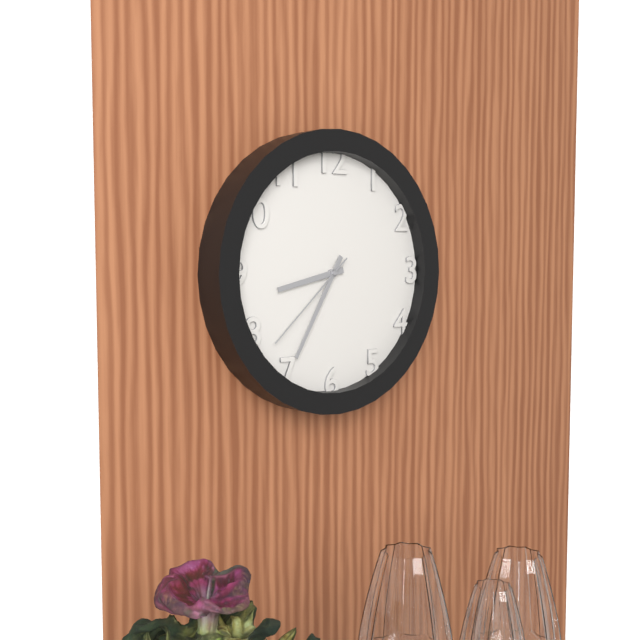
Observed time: **8:35:38**
